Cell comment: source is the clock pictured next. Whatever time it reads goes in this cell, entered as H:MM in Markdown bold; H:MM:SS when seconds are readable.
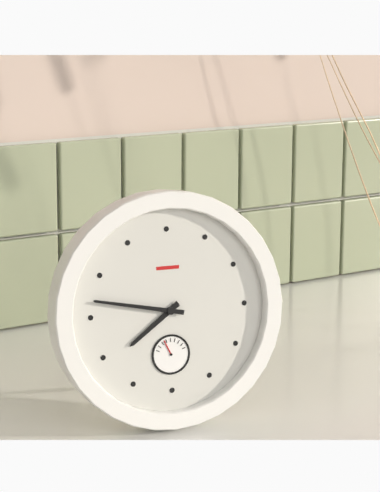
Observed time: **7:47**
